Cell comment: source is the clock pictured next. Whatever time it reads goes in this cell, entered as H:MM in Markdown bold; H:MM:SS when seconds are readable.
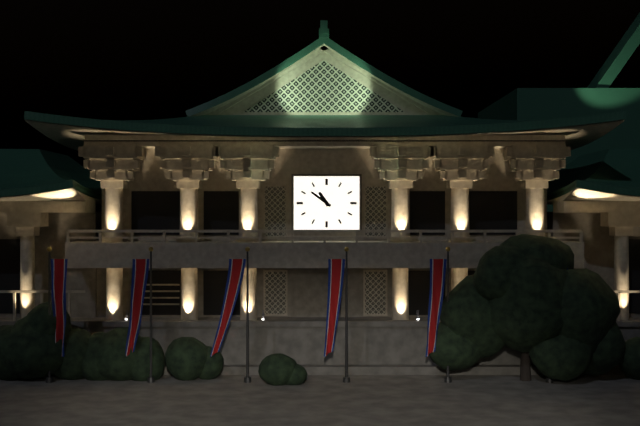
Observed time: **10:51**
